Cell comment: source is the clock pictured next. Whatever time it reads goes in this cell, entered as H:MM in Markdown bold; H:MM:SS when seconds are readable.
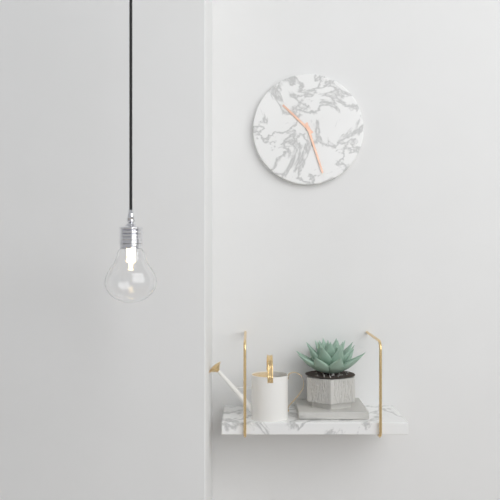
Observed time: **10:27**
